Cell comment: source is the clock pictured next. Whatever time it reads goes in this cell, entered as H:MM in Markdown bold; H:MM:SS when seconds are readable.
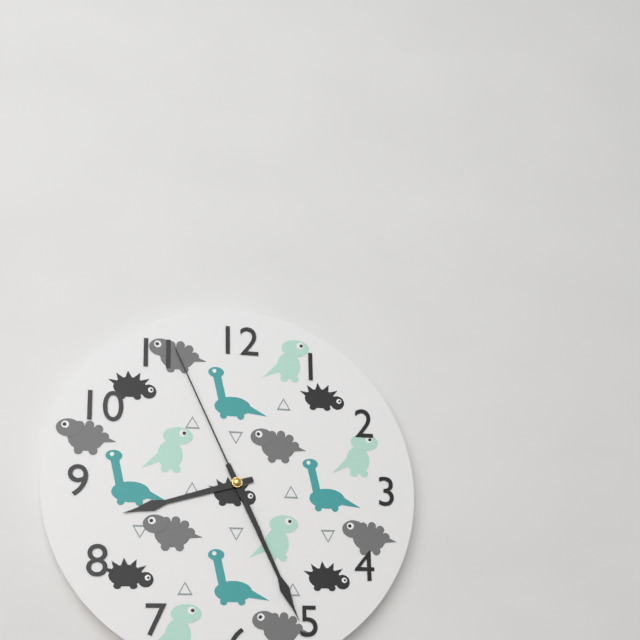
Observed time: **8:26:56**
